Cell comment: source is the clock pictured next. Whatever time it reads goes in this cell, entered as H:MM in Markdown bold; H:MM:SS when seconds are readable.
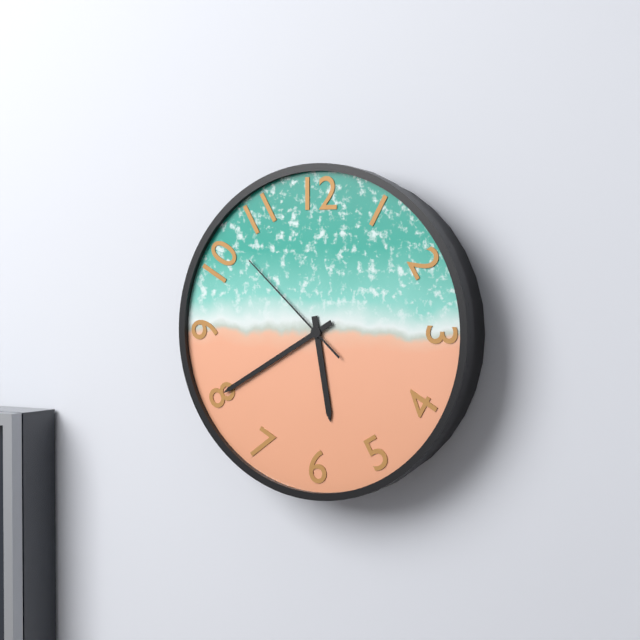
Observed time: **5:40:52**
